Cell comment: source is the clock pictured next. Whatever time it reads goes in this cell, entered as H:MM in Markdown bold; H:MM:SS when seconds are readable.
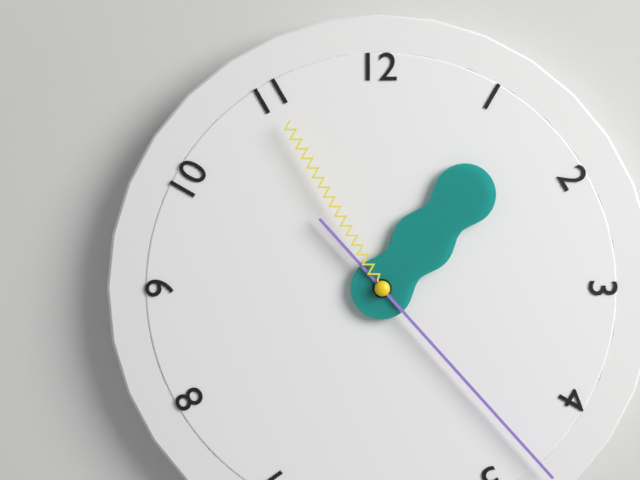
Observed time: **1:23:55**
